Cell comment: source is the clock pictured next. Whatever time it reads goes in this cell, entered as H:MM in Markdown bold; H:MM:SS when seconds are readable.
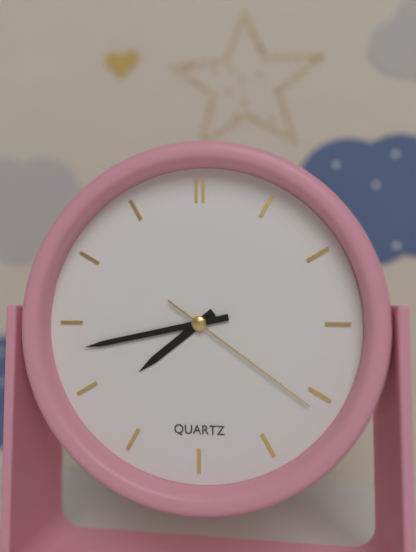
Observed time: **7:43:21**
